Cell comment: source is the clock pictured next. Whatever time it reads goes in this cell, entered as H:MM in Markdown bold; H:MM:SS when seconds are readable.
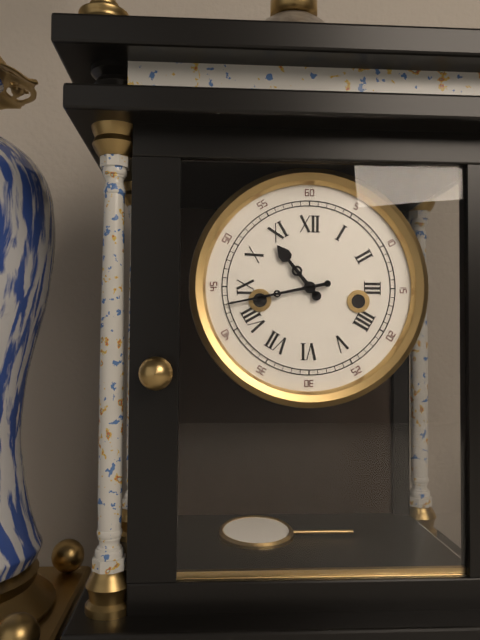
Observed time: **10:43**
